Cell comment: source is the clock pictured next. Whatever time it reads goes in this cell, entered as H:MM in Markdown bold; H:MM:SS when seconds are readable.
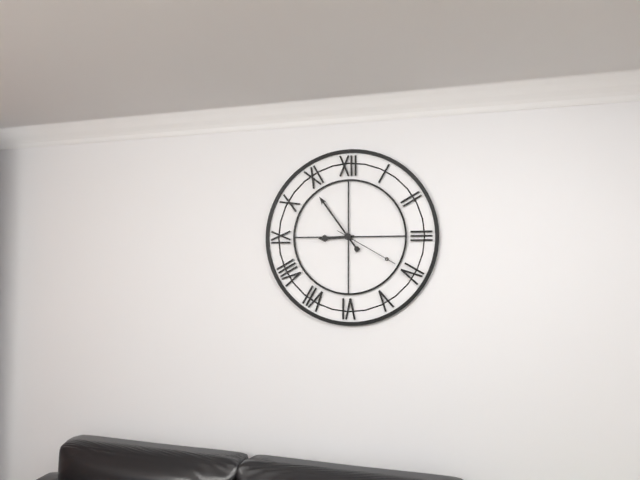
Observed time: **8:54:20**
